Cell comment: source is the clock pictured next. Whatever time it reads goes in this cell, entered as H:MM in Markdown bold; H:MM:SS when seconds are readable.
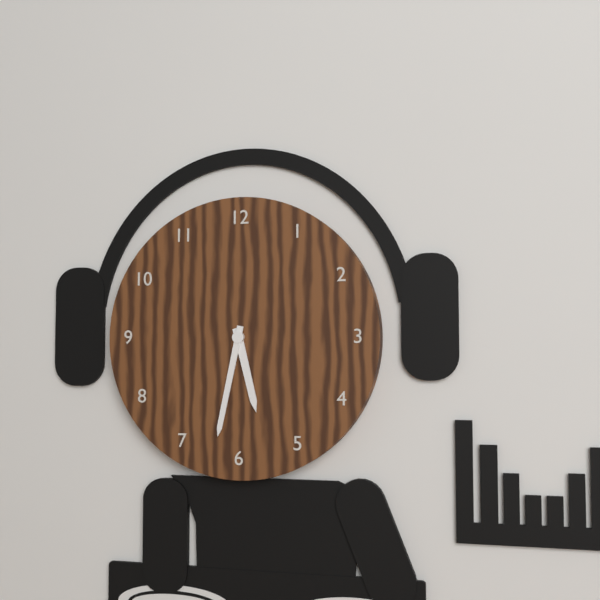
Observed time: **5:32**
